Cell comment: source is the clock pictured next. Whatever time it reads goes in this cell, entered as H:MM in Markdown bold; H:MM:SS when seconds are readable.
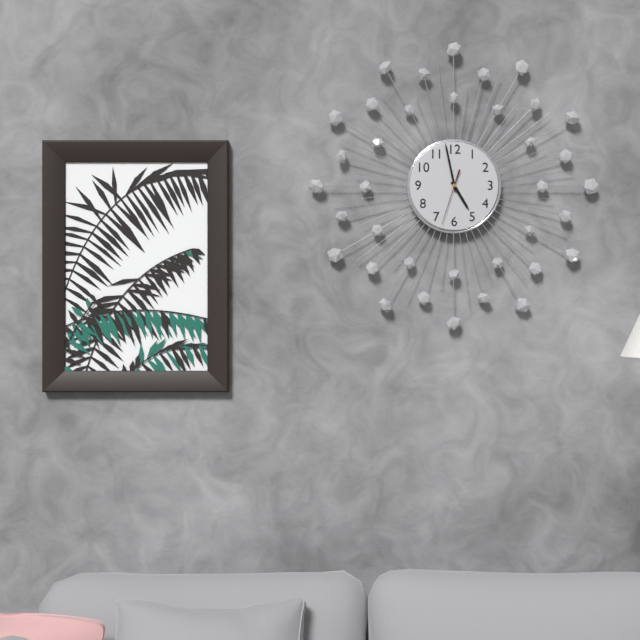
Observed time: **4:58:33**
